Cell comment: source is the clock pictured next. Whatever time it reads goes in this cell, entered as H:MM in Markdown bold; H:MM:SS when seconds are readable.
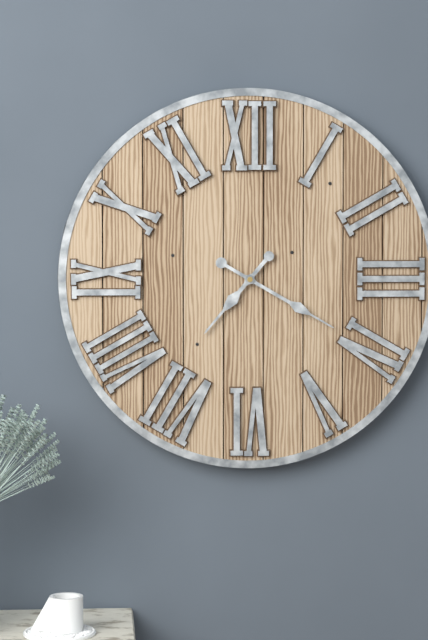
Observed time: **7:20**
